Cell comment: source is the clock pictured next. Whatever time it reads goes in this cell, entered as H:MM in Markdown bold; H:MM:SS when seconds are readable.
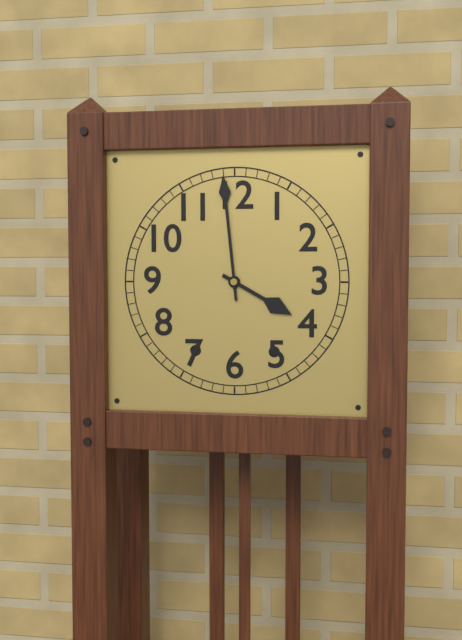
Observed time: **3:59**
